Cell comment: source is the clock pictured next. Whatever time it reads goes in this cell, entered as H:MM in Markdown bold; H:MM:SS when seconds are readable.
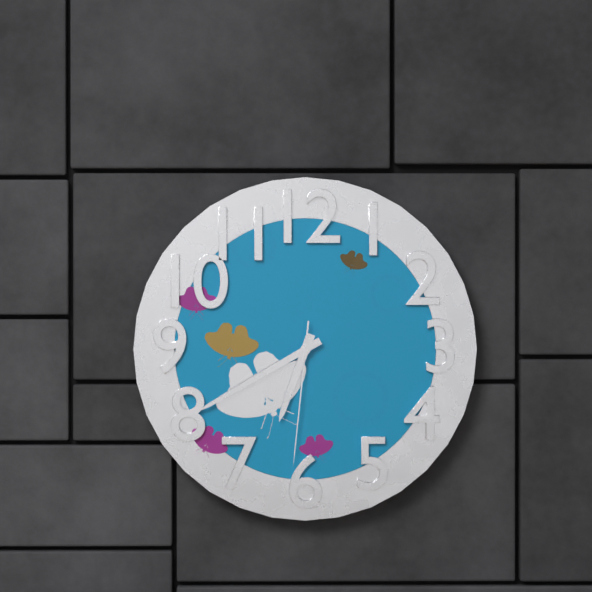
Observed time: **6:40:31**
